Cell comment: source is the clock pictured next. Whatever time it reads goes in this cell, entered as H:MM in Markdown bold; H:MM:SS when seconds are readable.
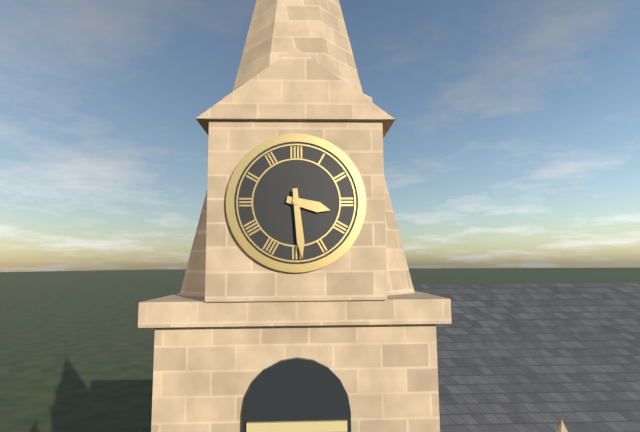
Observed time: **3:29**
